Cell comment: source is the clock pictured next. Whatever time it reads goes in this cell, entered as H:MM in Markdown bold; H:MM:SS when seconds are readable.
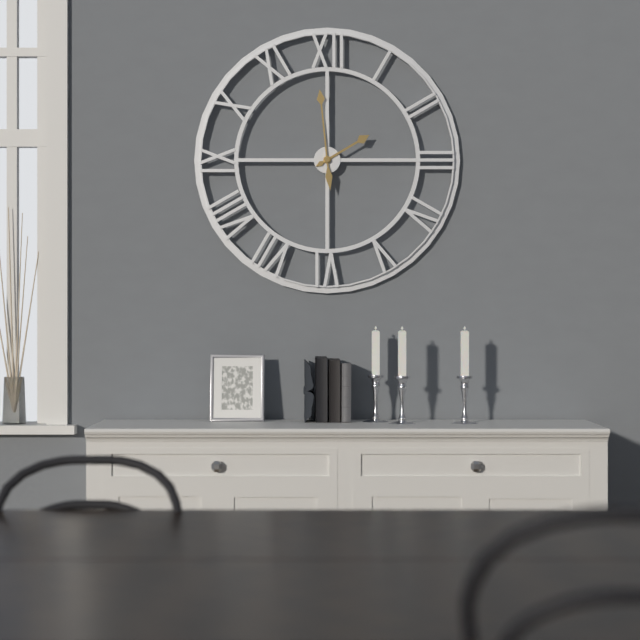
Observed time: **1:59**
